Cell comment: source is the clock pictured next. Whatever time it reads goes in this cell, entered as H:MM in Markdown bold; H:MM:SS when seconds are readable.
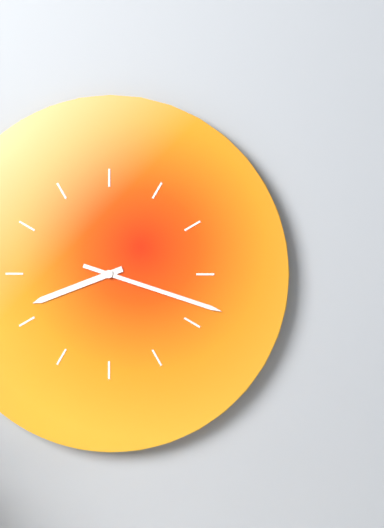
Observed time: **8:18**
